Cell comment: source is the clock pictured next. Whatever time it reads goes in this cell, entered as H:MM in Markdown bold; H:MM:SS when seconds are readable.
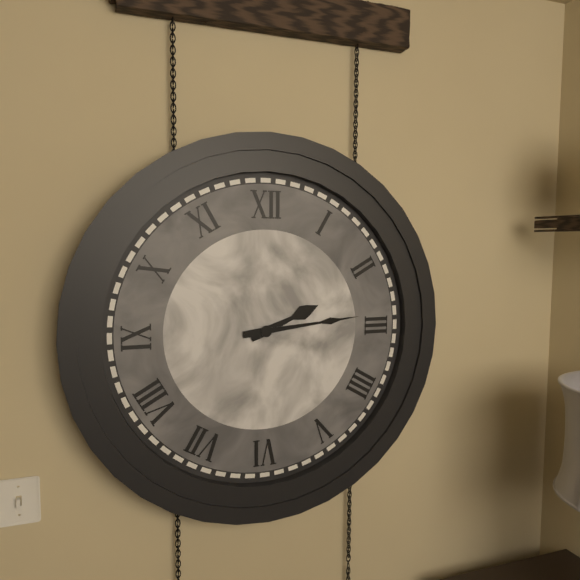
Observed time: **2:14**
